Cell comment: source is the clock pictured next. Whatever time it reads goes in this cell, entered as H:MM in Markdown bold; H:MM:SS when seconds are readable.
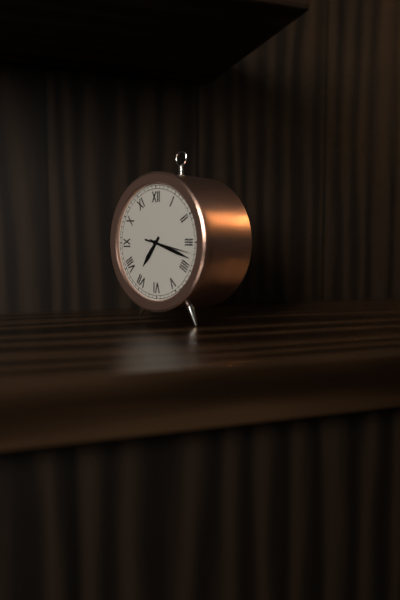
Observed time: **7:18**
